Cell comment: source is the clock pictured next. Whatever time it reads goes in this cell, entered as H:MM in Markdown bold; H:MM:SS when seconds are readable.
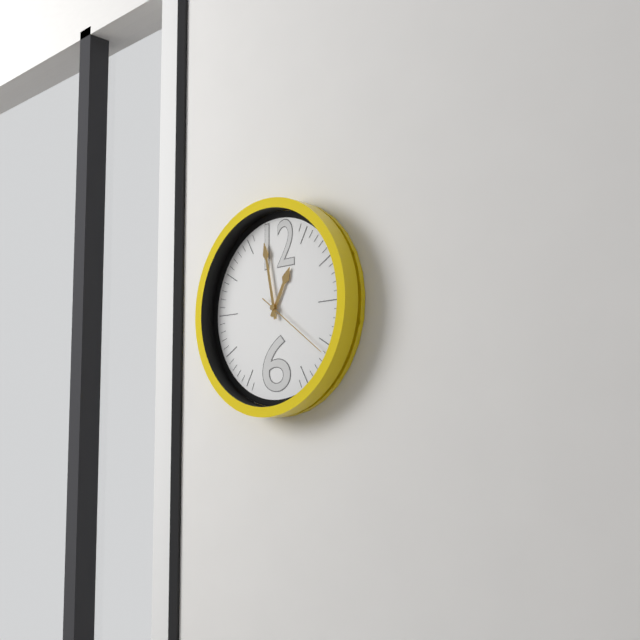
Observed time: **12:58:21**
